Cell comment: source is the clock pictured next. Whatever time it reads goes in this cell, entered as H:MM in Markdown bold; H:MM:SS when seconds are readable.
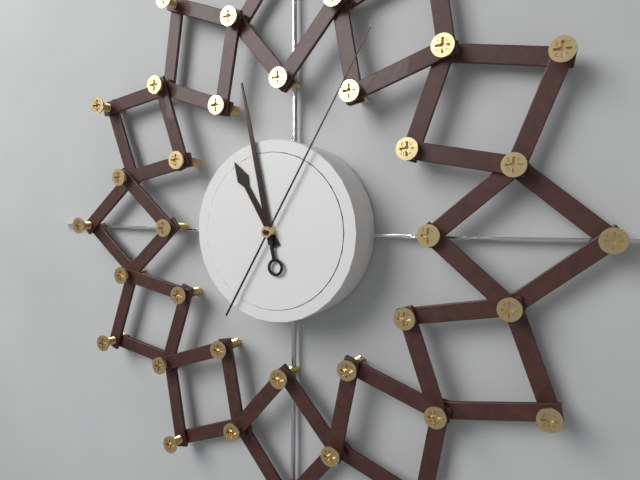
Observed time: **10:58:05**
